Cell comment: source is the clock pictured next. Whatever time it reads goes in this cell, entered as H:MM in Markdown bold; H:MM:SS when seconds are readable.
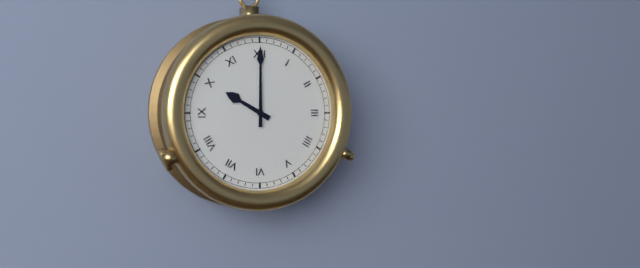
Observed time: **10:00**
